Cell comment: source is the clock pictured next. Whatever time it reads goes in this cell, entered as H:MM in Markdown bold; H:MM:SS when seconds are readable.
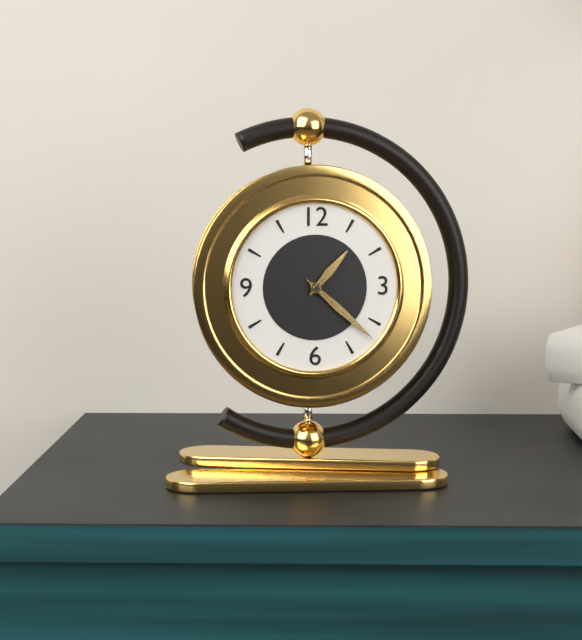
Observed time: **1:22**
